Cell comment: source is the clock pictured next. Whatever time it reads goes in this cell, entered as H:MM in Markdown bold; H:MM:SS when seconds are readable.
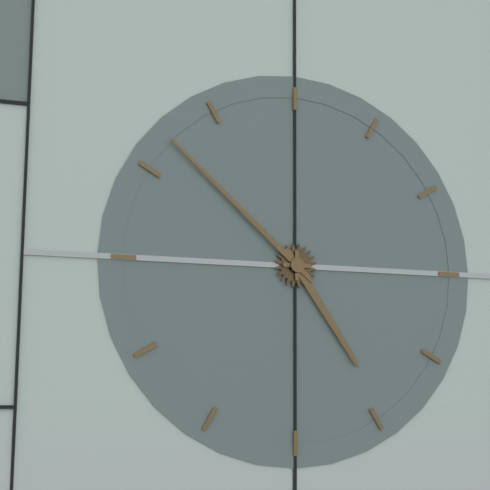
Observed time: **4:52**
